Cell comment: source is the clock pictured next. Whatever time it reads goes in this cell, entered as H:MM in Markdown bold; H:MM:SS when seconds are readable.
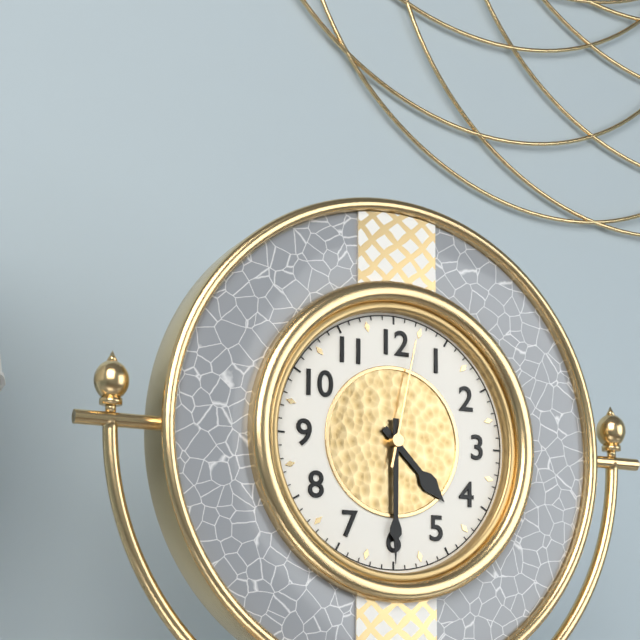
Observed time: **4:30:02**
